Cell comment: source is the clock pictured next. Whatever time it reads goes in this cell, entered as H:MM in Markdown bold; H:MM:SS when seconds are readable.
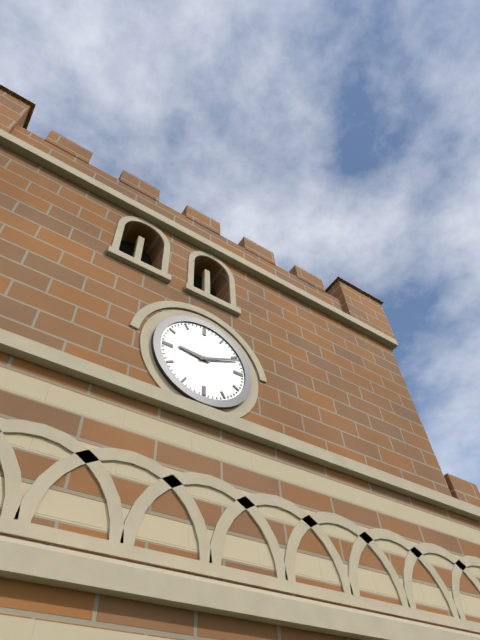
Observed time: **9:11**
